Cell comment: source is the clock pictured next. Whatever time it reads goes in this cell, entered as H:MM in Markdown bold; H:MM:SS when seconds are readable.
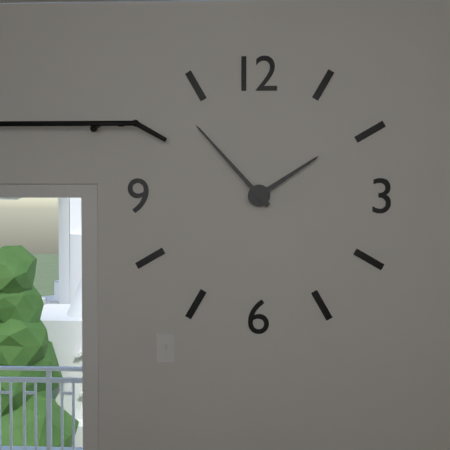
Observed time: **1:53**
